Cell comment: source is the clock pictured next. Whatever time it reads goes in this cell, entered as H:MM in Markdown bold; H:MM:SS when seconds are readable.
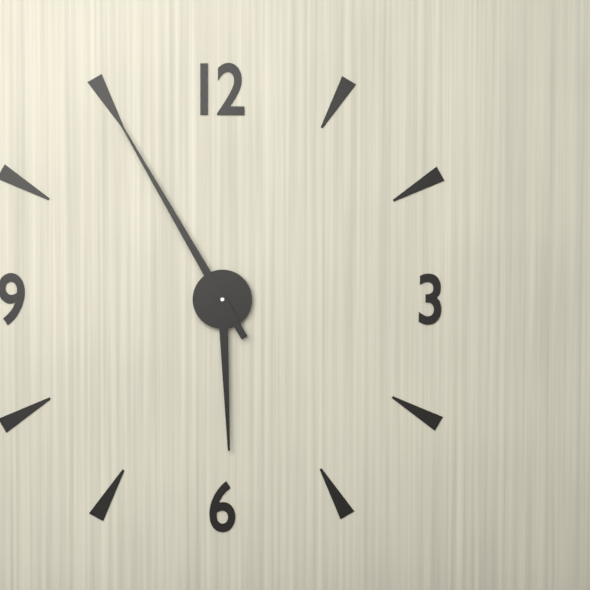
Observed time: **5:55**
